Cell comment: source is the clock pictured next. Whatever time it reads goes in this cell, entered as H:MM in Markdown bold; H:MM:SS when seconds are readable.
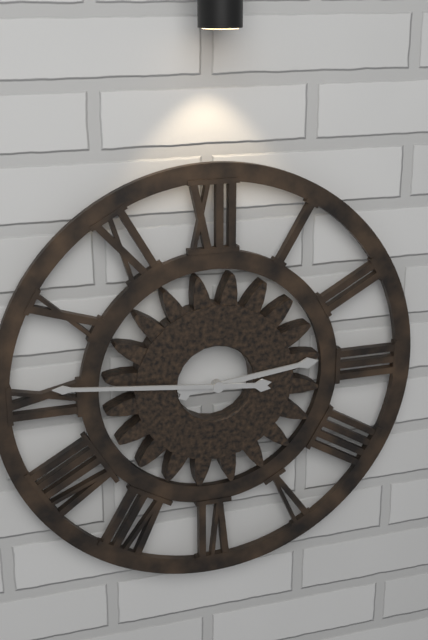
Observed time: **2:46**
